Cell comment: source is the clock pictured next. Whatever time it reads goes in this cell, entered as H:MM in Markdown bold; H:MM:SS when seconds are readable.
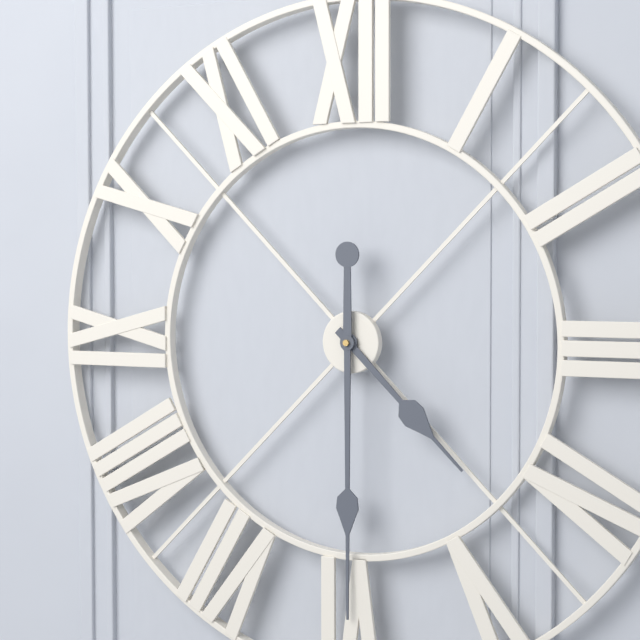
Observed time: **4:30**
